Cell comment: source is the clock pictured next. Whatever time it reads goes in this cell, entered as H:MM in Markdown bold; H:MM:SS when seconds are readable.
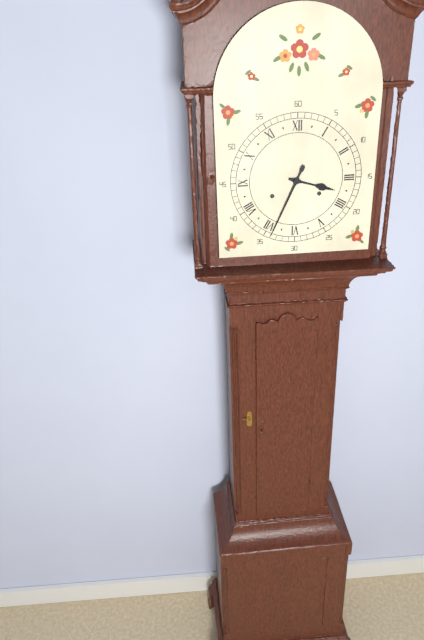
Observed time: **3:34**
